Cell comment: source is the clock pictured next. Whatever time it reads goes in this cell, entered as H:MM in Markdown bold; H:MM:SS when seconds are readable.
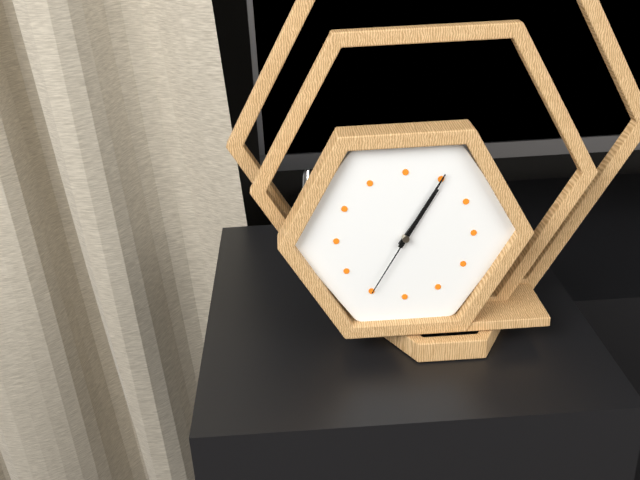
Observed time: **1:05:35**
